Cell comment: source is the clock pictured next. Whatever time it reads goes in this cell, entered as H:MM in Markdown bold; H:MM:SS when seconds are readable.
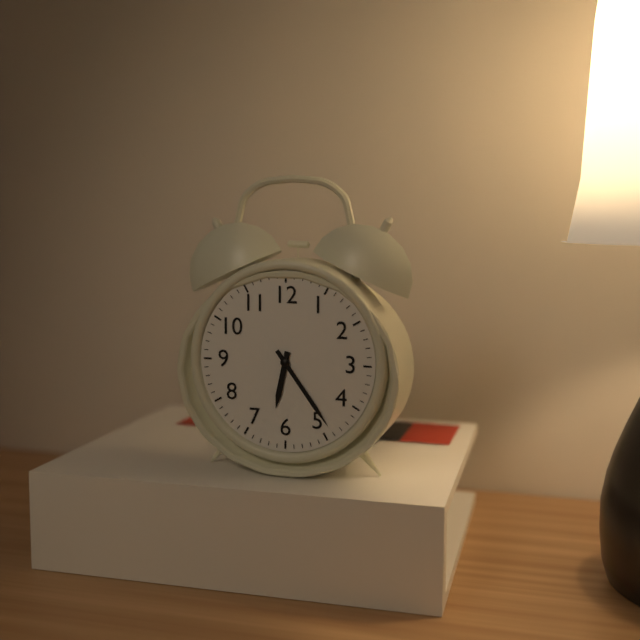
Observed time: **6:24**
